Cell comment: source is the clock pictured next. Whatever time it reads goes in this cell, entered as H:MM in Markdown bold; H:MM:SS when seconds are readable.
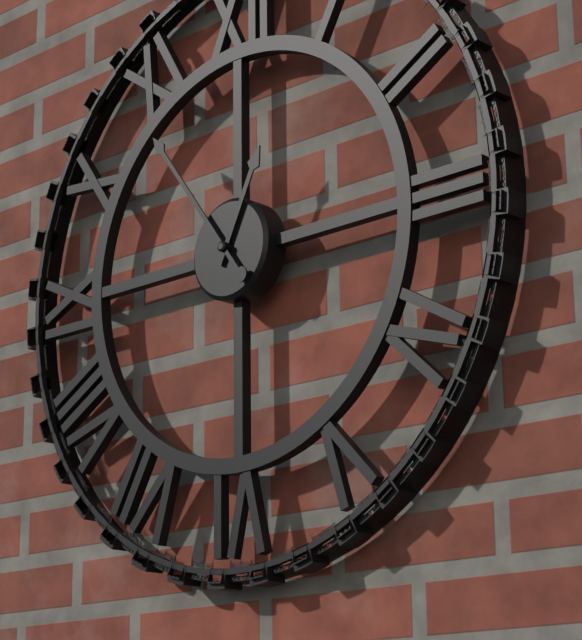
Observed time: **12:54**
